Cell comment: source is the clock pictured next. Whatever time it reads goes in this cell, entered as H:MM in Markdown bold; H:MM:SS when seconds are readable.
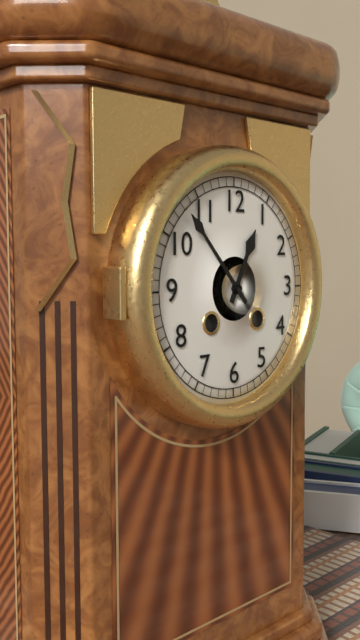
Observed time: **12:53**
